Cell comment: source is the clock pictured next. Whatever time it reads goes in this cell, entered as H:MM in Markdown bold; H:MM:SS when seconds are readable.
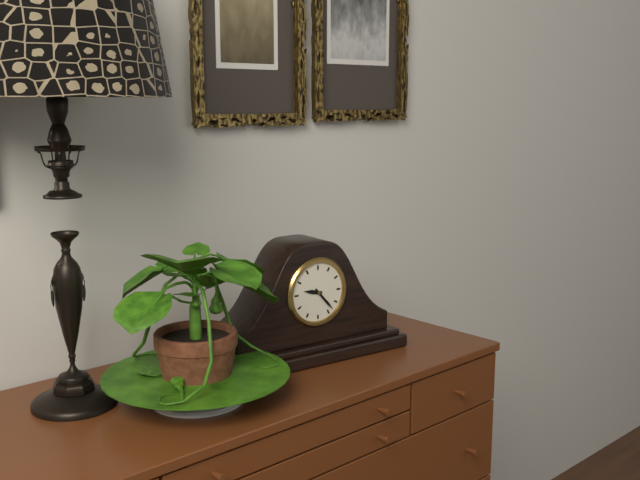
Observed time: **9:23**
